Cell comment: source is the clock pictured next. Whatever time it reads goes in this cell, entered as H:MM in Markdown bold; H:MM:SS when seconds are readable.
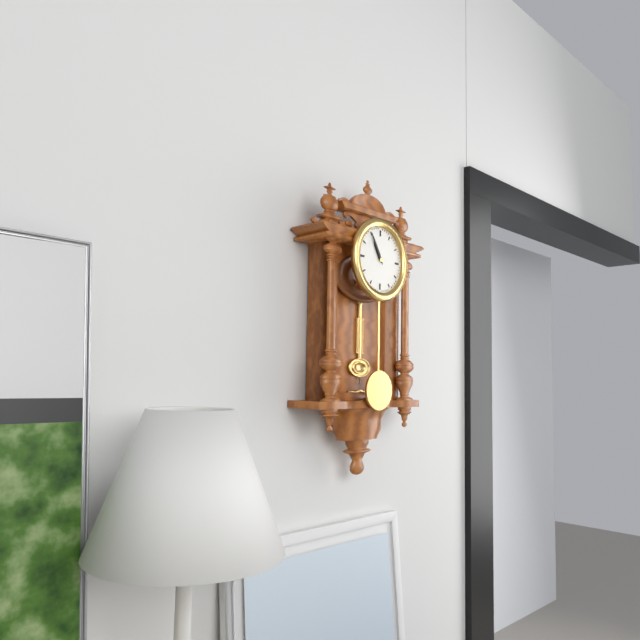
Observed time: **10:55**
